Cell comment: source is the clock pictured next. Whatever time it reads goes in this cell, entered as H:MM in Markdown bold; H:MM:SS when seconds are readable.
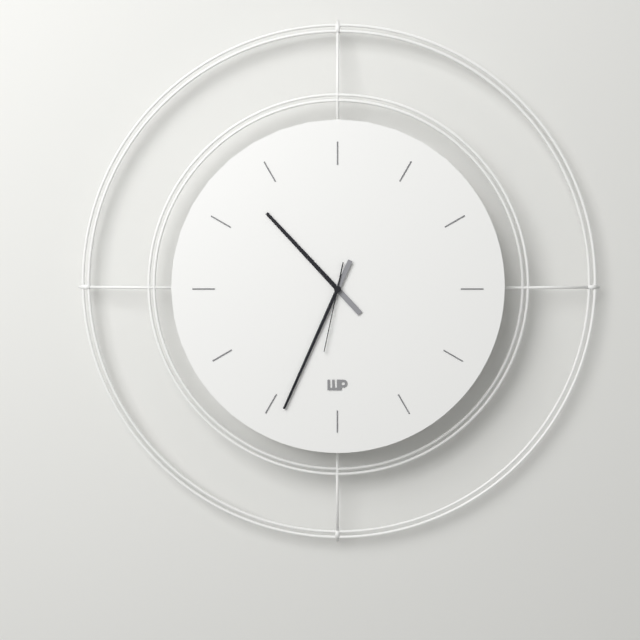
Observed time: **10:34:32**
